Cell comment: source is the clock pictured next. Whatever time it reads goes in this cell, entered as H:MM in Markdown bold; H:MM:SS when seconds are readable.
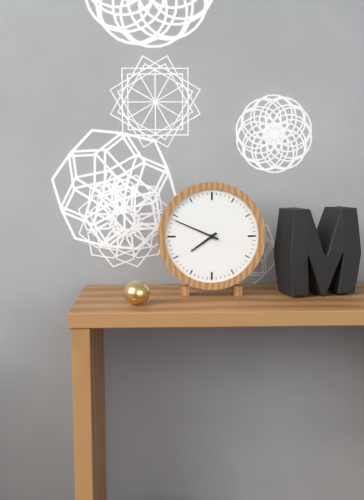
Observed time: **7:49**
